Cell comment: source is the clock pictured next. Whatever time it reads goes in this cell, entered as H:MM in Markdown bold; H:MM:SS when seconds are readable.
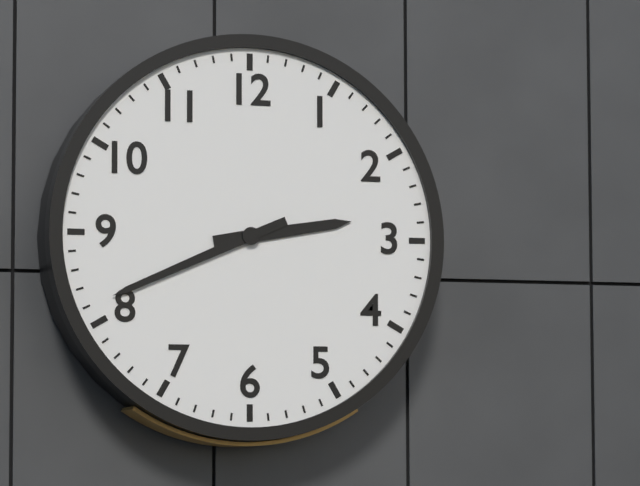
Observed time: **2:41**
